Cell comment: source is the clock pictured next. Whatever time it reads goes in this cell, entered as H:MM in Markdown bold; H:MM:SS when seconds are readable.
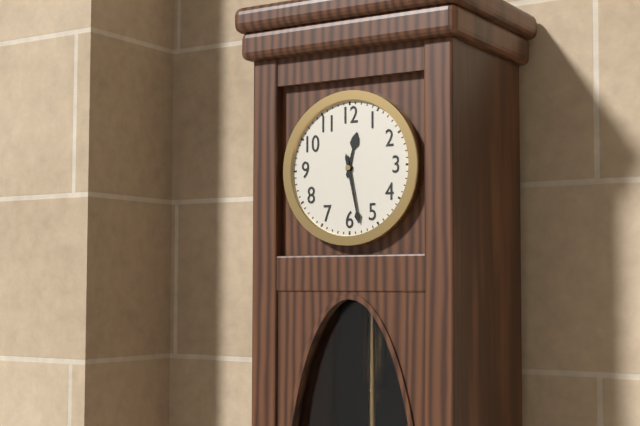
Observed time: **12:28**
